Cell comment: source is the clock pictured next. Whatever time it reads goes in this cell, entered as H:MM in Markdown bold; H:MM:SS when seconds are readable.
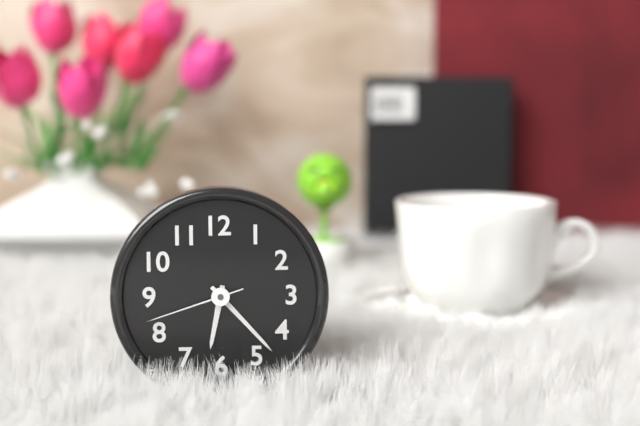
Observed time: **6:23:42**
